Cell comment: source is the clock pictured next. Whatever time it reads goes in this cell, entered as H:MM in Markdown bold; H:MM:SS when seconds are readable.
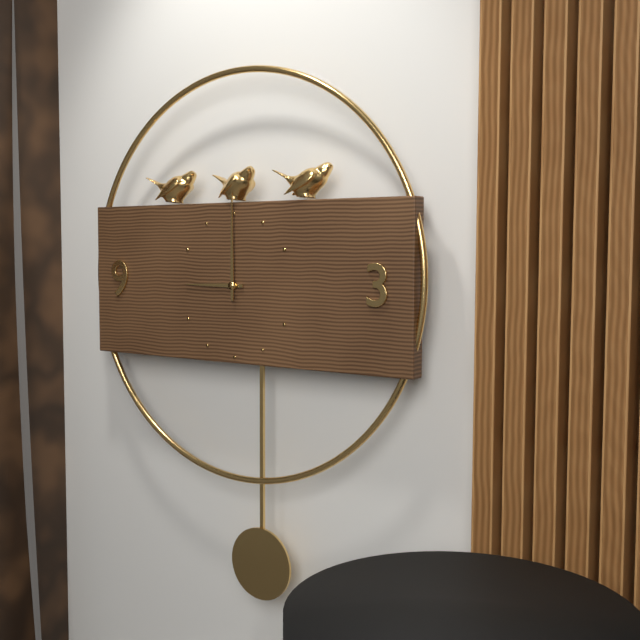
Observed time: **9:00**
